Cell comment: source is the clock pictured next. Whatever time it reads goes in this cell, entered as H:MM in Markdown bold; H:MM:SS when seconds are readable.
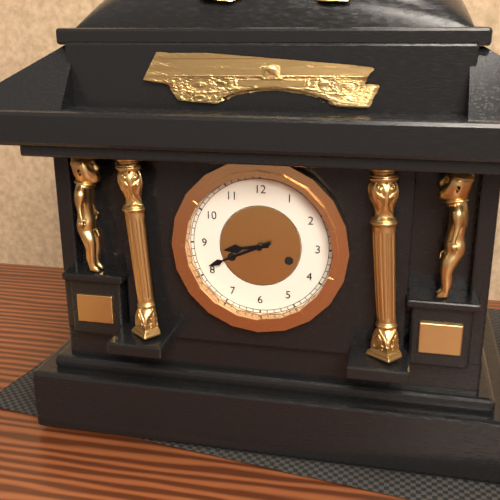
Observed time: **8:41**
